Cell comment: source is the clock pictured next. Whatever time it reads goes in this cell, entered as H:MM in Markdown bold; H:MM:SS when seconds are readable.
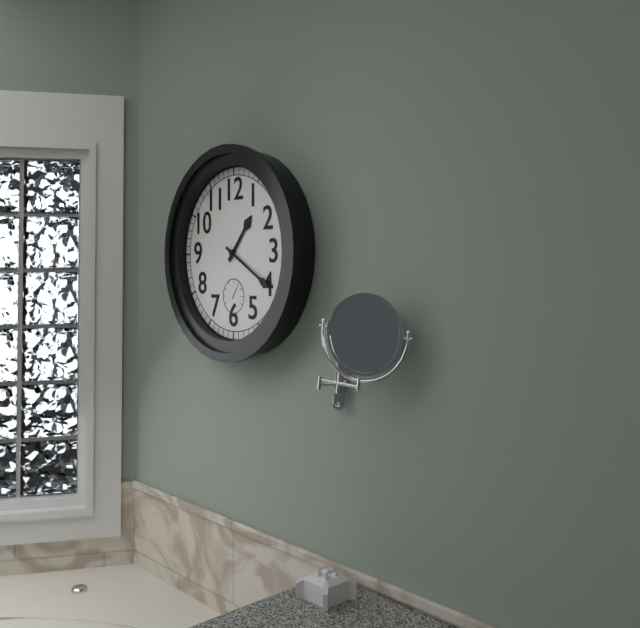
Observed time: **1:20**
